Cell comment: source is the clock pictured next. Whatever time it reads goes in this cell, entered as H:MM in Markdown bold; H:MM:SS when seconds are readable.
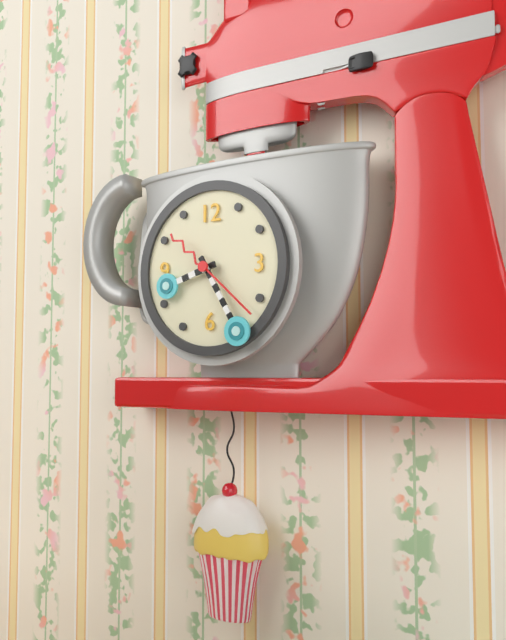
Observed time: **8:25**
